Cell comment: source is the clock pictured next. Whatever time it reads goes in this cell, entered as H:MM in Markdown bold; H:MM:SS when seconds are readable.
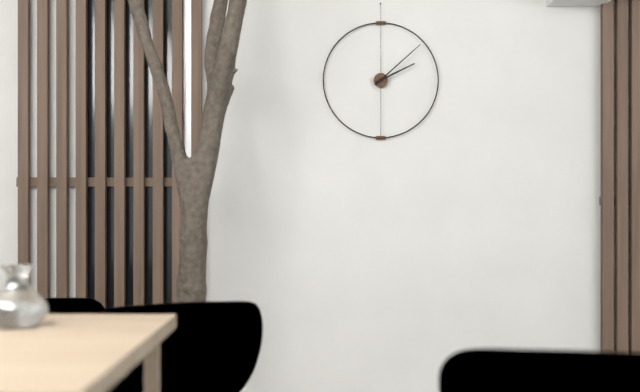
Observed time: **2:08**
